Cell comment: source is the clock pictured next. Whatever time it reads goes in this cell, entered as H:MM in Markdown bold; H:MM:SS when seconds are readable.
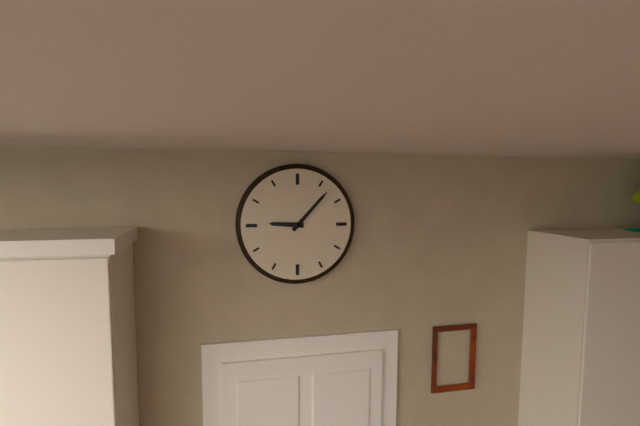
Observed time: **9:07**
